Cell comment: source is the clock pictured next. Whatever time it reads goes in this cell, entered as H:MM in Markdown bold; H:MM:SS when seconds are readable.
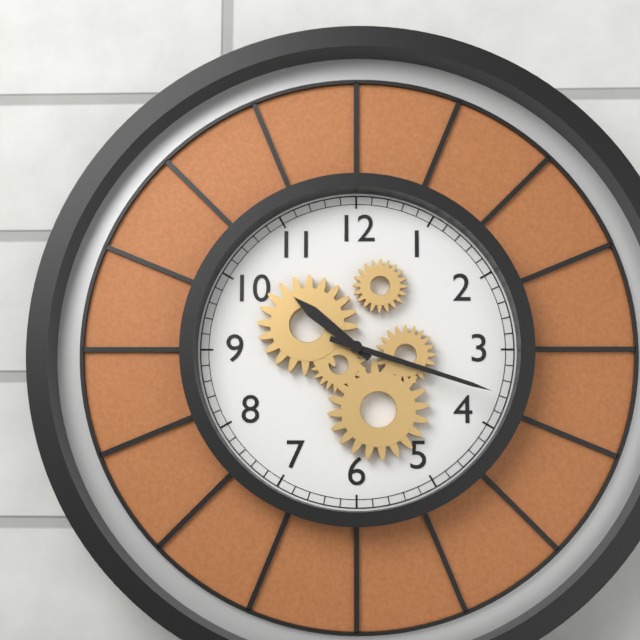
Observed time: **10:18**
